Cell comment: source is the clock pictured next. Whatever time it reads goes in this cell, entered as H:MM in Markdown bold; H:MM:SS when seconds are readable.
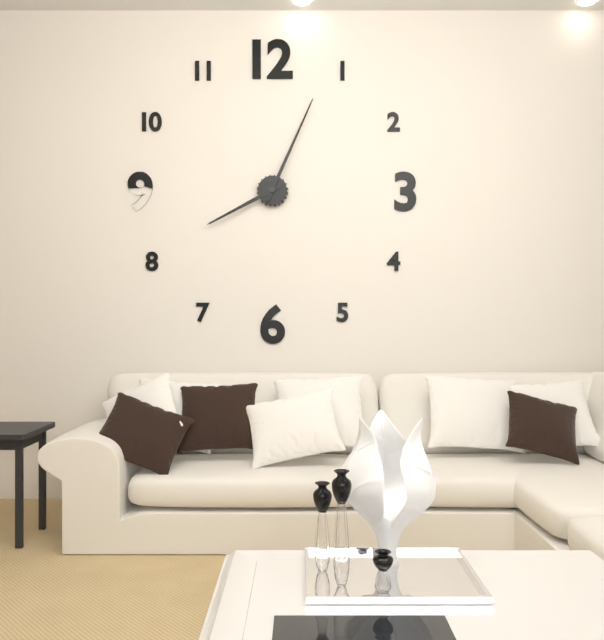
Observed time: **8:04**
